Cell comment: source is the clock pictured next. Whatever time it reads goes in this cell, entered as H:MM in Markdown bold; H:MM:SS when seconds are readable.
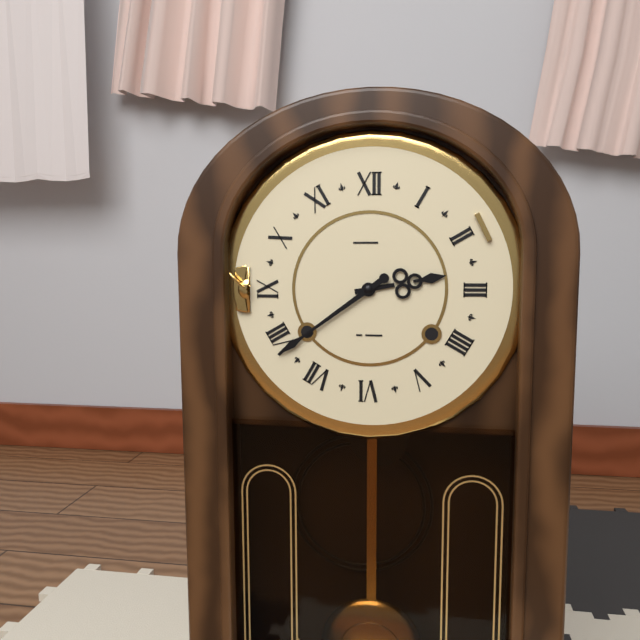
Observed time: **2:39**
